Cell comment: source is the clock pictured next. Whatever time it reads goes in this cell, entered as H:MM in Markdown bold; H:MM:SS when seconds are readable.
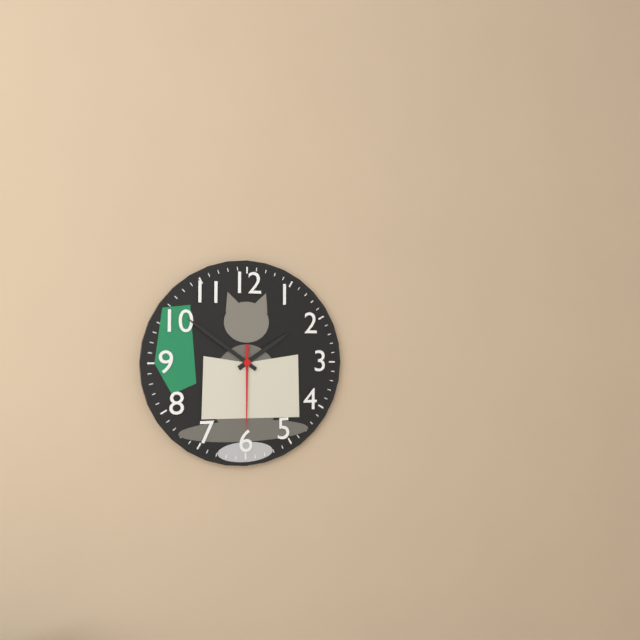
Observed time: **1:51:30**
